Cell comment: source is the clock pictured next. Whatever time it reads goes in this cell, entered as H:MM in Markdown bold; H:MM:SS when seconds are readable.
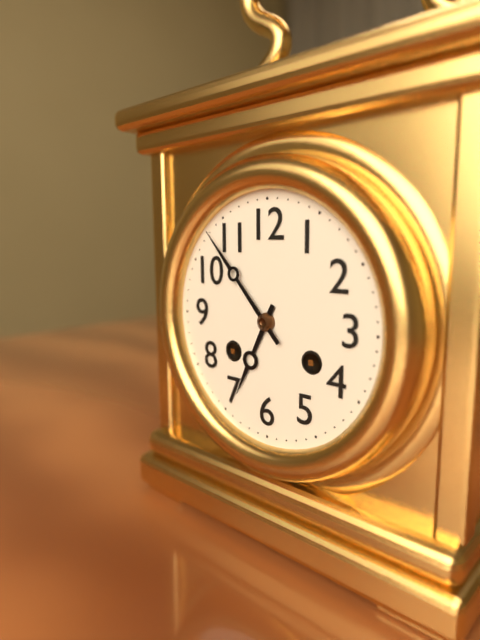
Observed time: **6:53**
